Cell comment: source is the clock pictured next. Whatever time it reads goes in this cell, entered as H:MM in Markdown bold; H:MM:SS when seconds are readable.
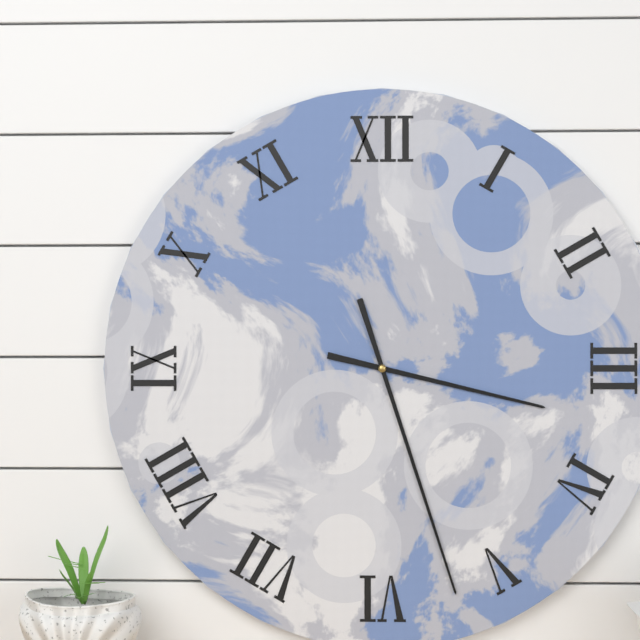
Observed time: **3:27**
